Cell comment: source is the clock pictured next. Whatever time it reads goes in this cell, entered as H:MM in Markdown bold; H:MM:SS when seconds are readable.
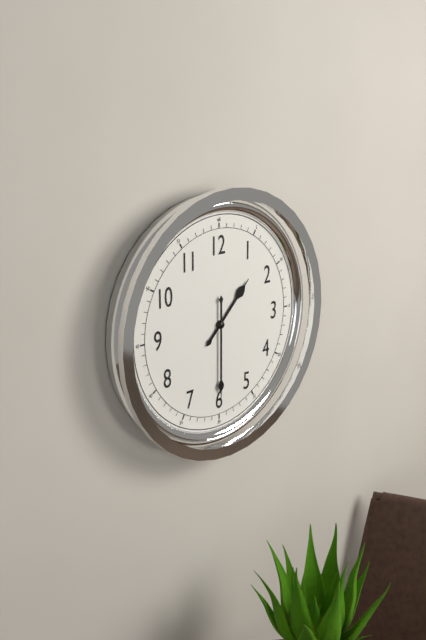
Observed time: **1:30**
